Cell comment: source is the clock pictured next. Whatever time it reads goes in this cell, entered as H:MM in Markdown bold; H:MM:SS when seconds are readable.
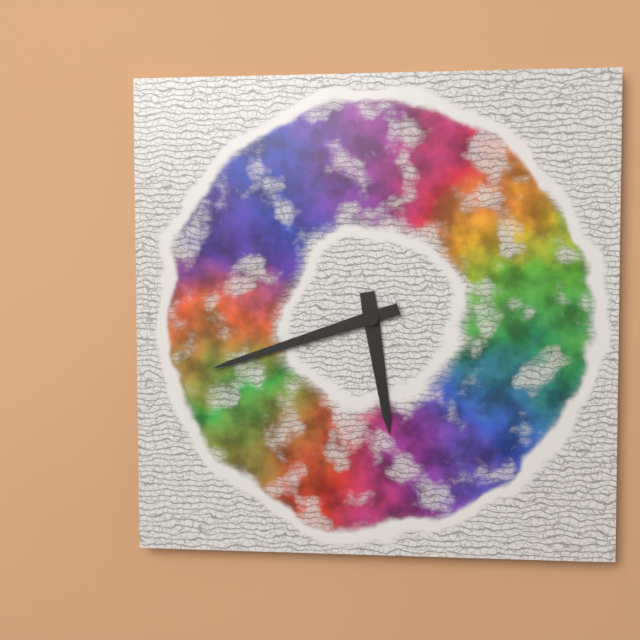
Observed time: **5:42**
